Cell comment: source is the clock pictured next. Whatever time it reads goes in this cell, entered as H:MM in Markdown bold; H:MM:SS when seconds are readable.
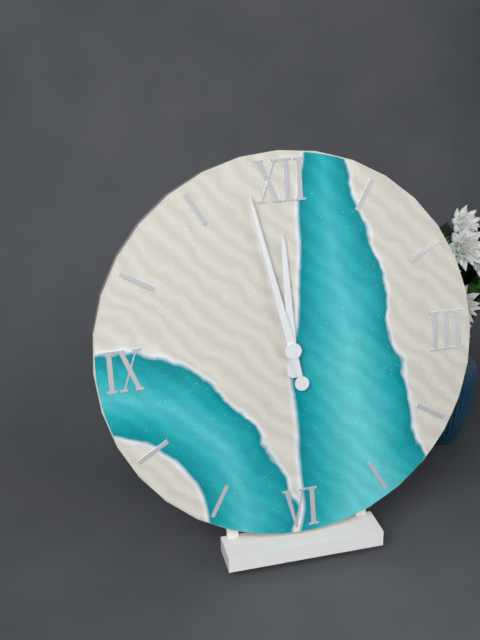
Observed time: **11:58**
